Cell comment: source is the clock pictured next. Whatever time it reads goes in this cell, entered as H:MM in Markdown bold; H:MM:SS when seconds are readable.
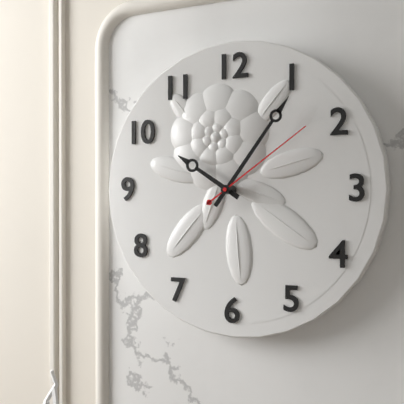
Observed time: **10:06:09**
